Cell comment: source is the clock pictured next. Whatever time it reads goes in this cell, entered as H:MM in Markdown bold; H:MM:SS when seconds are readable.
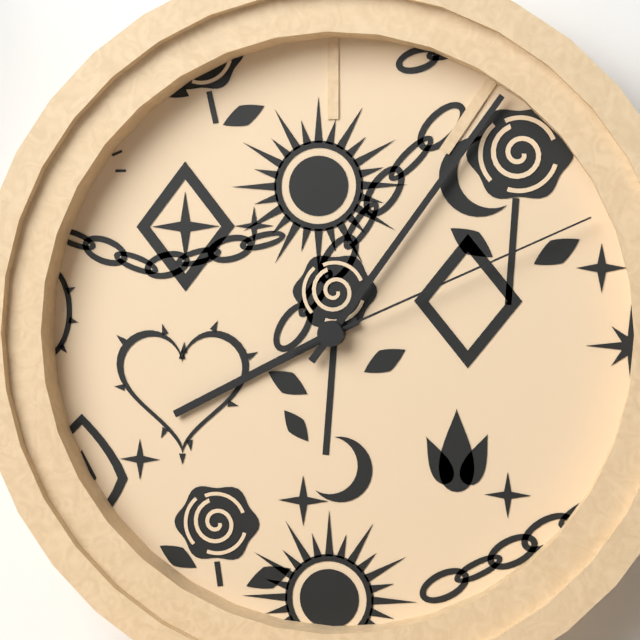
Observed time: **8:06:11**
